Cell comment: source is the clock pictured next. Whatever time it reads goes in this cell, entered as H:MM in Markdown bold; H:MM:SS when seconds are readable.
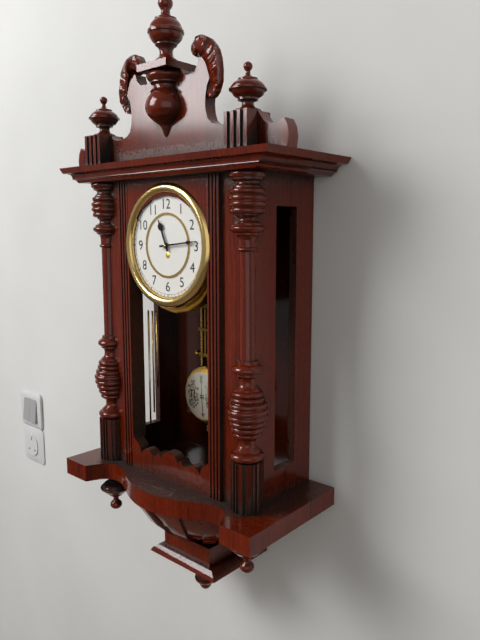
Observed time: **11:14**
